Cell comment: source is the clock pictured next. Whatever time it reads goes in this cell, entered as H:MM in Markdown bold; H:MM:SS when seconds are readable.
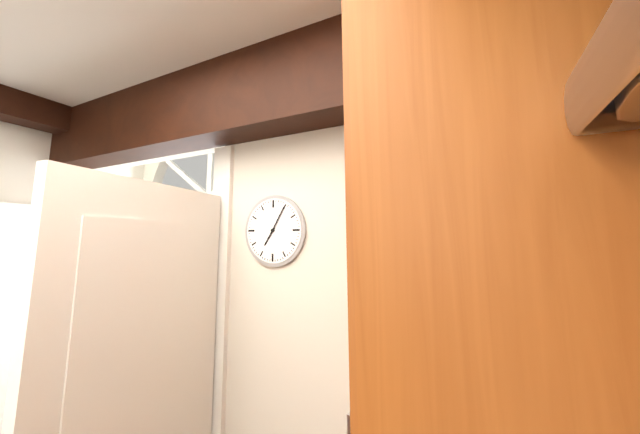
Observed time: **7:05**
